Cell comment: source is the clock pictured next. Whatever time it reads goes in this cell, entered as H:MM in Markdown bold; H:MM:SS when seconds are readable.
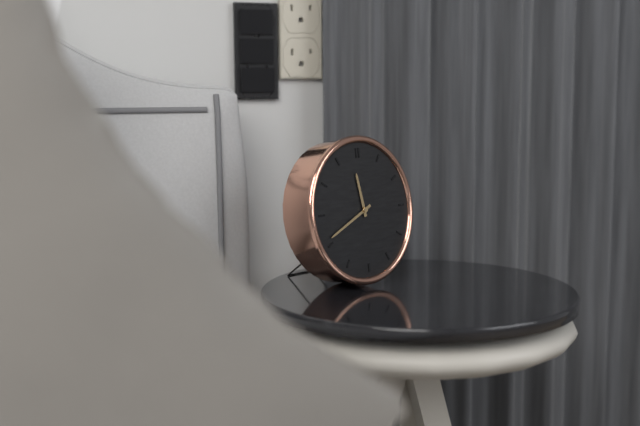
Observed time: **11:41**
